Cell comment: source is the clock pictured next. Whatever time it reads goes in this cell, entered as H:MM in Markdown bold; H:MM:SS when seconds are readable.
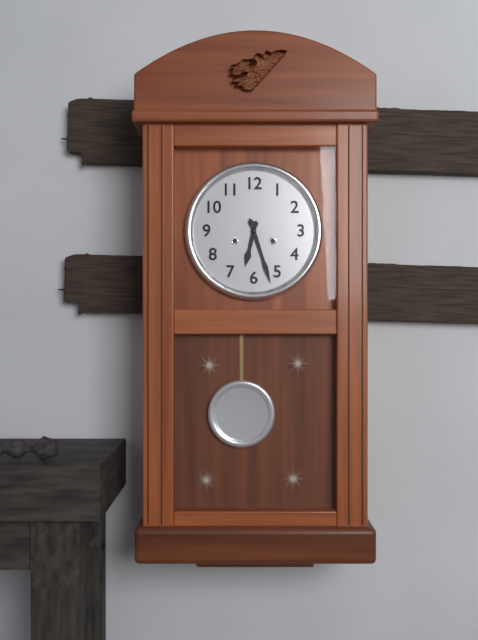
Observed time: **6:27**
